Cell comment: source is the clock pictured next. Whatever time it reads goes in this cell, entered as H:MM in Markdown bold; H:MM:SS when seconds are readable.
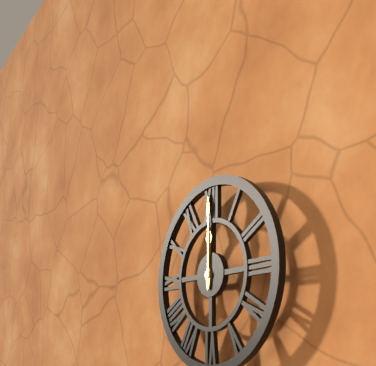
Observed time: **12:00**
